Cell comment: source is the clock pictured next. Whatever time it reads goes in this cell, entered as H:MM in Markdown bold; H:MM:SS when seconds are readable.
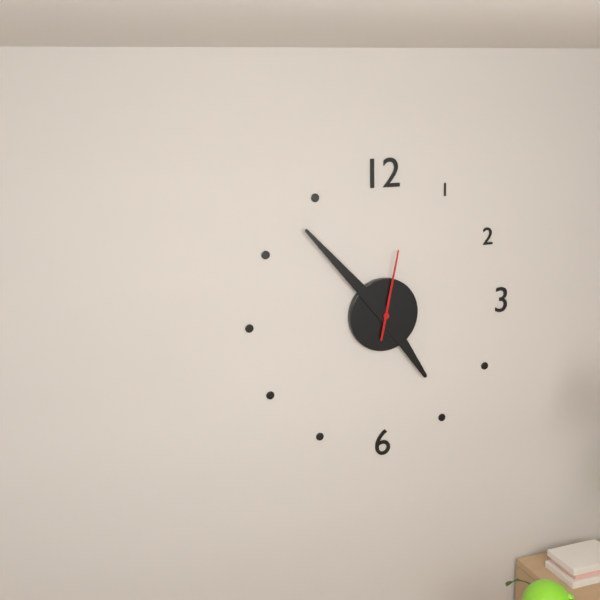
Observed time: **4:53:02**
